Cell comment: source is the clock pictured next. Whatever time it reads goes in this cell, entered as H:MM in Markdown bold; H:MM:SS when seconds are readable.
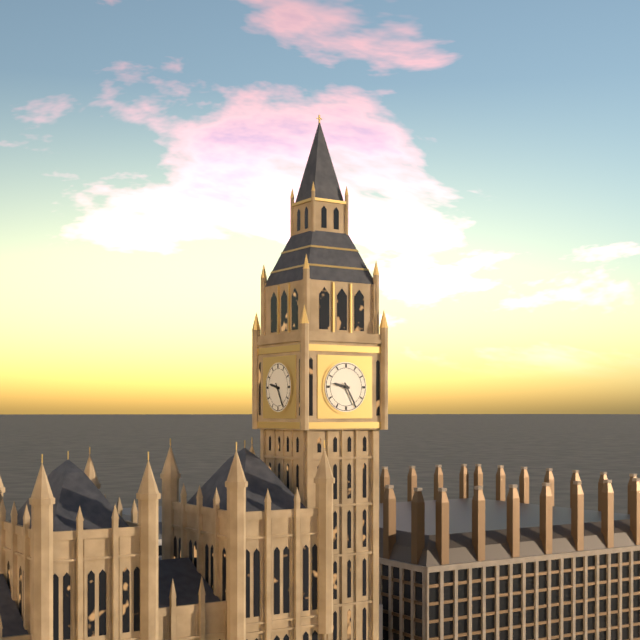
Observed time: **9:25**
